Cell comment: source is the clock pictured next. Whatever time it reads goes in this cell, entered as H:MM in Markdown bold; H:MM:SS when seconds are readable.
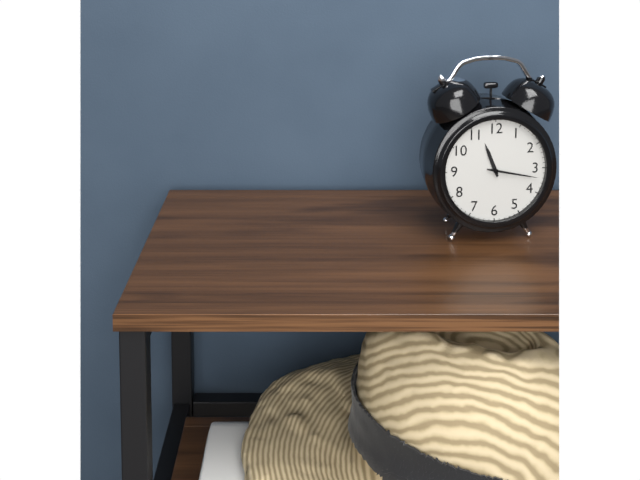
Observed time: **11:17**
